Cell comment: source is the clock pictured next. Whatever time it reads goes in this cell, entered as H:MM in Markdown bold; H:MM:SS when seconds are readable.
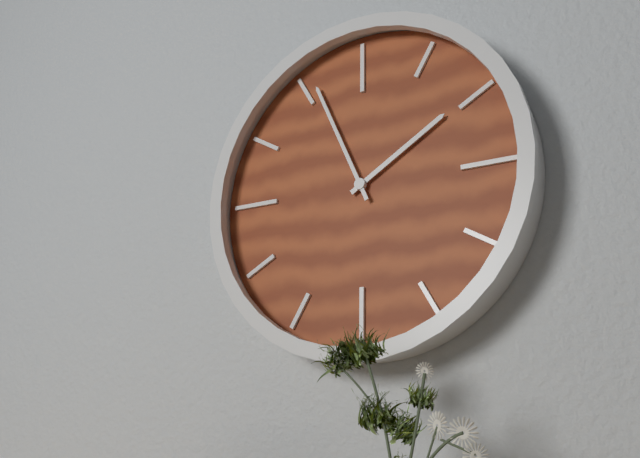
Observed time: **1:56**
